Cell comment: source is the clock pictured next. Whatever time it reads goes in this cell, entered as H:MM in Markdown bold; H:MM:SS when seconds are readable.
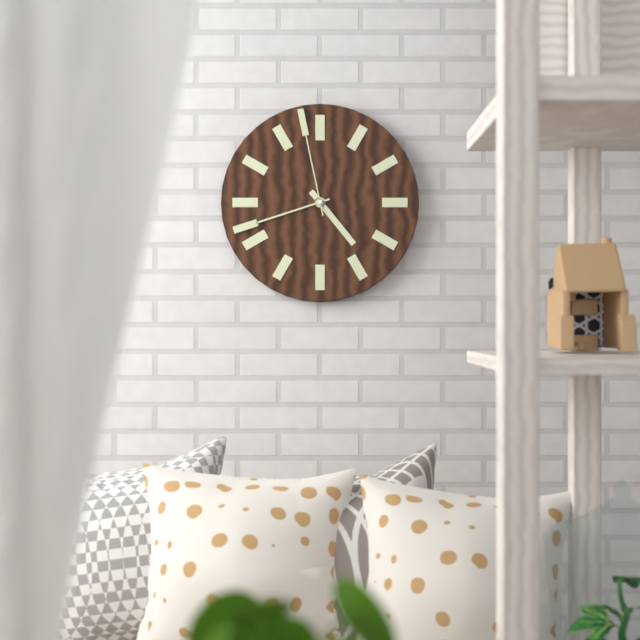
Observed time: **4:42:58**
